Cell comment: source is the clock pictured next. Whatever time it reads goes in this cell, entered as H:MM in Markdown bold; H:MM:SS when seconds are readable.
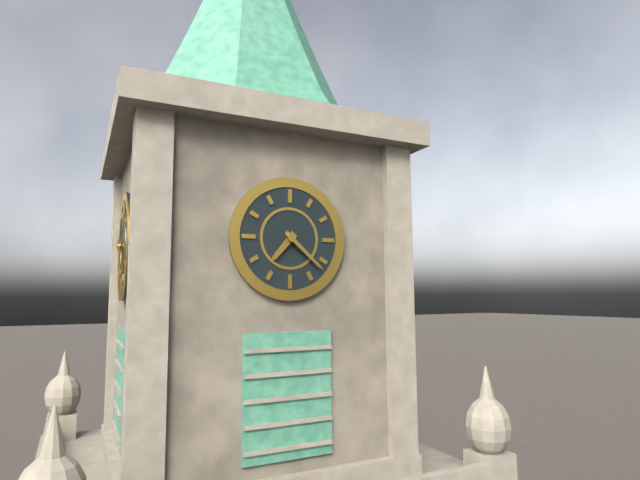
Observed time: **7:22**
